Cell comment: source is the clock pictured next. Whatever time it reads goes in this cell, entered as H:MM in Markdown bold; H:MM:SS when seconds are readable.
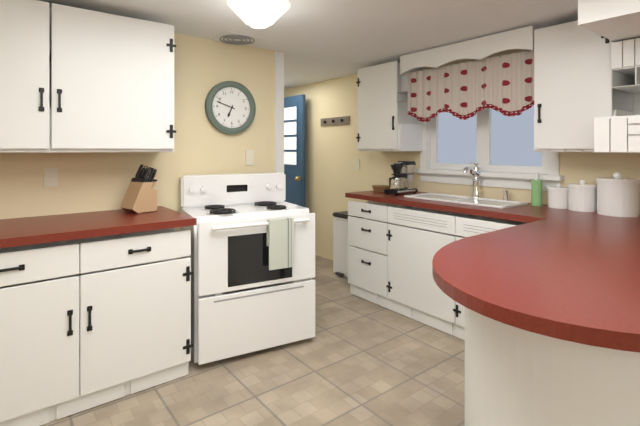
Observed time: **6:48**
